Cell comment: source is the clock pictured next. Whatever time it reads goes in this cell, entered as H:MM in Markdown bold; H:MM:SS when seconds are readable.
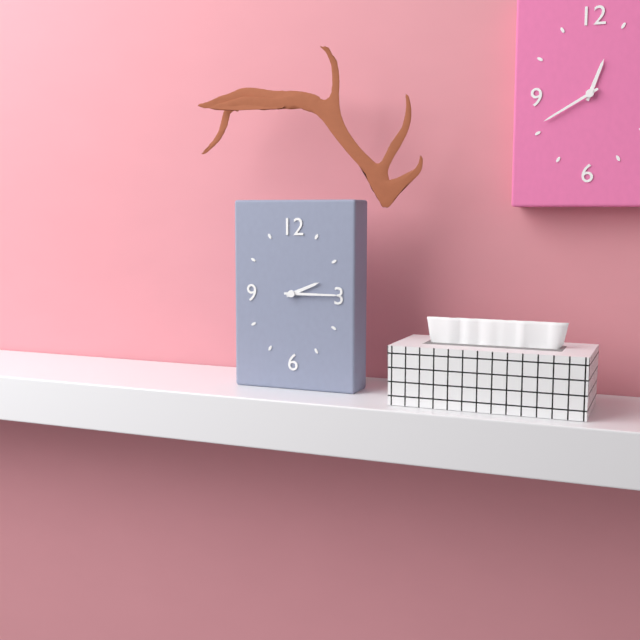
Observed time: **2:15**
